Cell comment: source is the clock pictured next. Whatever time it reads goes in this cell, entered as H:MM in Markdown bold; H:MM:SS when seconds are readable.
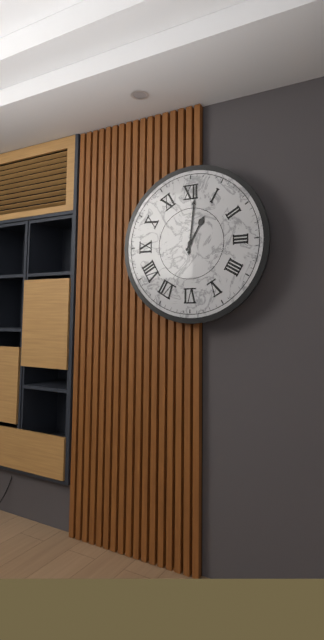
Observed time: **1:01**
